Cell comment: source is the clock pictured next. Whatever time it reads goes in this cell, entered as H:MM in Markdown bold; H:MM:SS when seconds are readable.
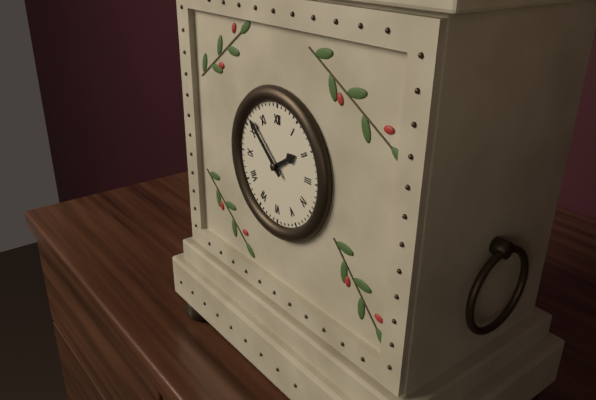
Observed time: **1:52**
